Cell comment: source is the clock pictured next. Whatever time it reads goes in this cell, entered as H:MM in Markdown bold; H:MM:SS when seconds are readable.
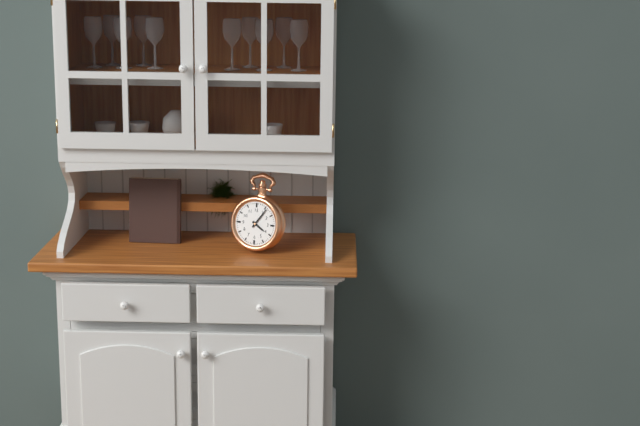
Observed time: **4:06**
